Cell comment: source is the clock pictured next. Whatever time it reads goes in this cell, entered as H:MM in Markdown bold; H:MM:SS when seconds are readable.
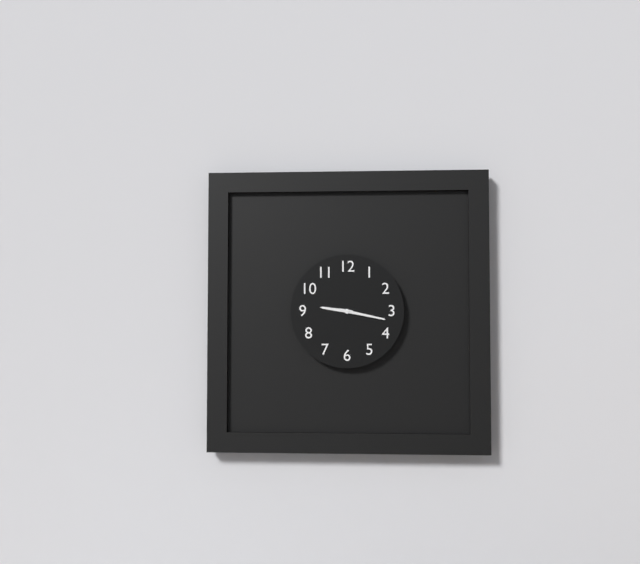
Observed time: **9:17**
